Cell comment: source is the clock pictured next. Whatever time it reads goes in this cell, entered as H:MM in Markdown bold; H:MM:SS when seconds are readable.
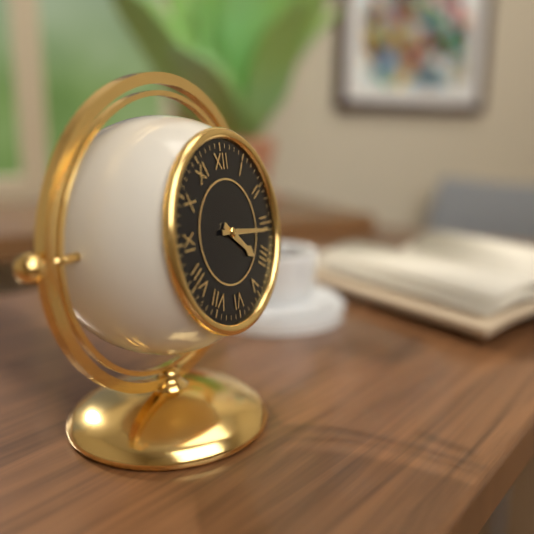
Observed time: **4:16**
